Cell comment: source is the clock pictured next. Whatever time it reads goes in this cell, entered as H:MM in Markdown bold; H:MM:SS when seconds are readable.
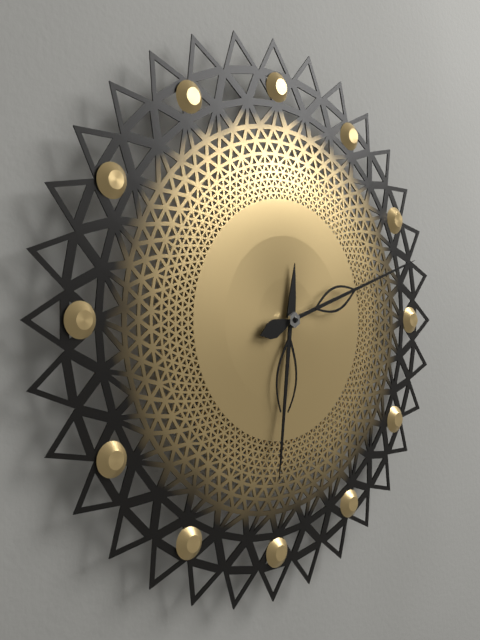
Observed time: **6:12**
